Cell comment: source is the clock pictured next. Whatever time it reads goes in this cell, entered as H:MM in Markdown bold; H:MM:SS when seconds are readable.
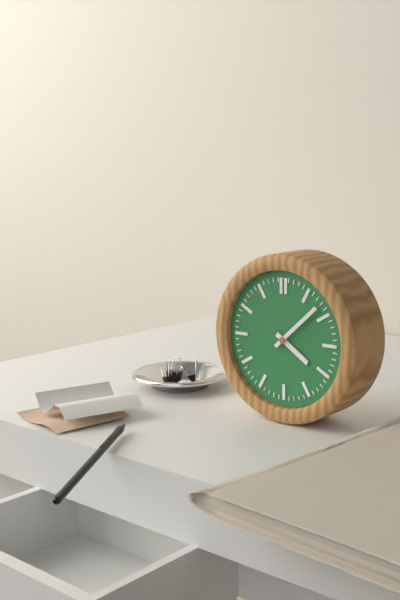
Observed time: **4:08**
